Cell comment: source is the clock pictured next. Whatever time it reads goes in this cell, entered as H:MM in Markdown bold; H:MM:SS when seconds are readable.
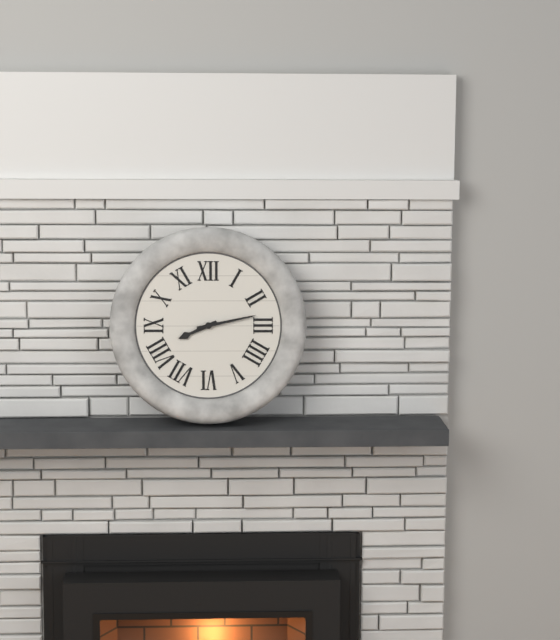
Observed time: **8:13**
